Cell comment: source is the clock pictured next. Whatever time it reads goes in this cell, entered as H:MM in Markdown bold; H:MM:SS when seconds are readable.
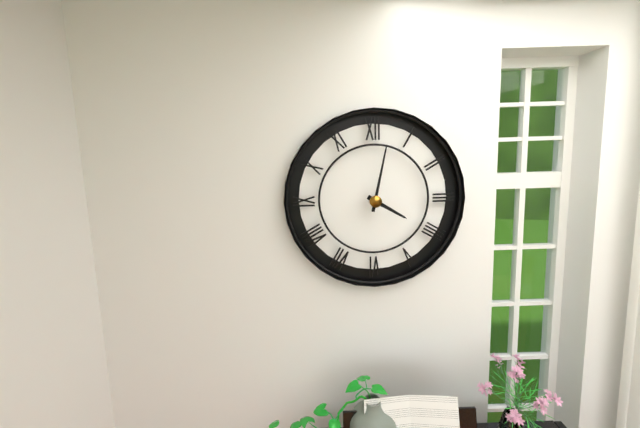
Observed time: **4:02**
